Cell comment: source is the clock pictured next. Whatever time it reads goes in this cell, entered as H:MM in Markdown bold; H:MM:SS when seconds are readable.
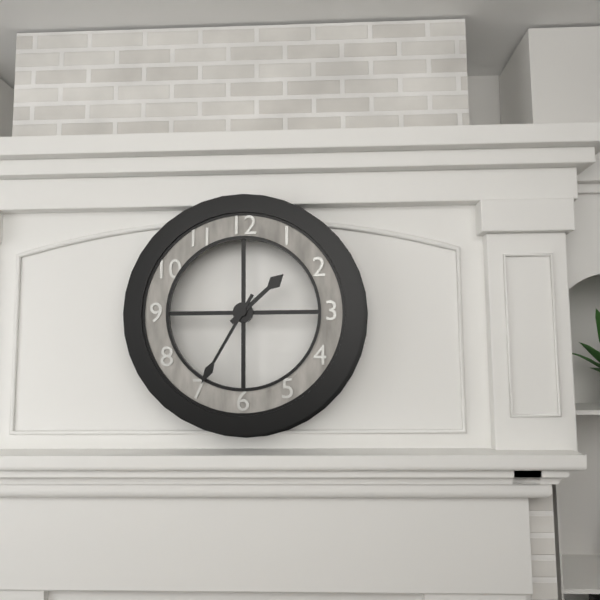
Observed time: **1:35**
